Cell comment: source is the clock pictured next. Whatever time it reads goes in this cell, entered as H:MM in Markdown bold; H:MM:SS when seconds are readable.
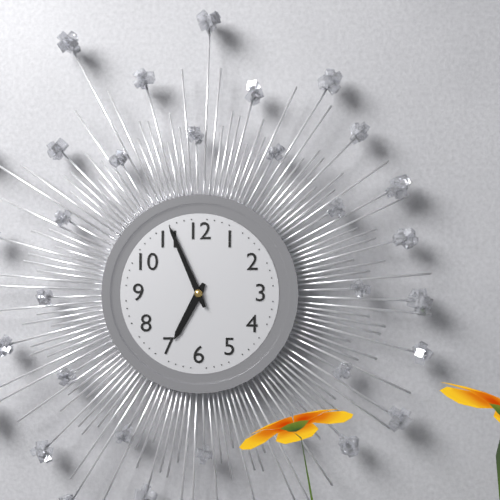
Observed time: **6:56**
